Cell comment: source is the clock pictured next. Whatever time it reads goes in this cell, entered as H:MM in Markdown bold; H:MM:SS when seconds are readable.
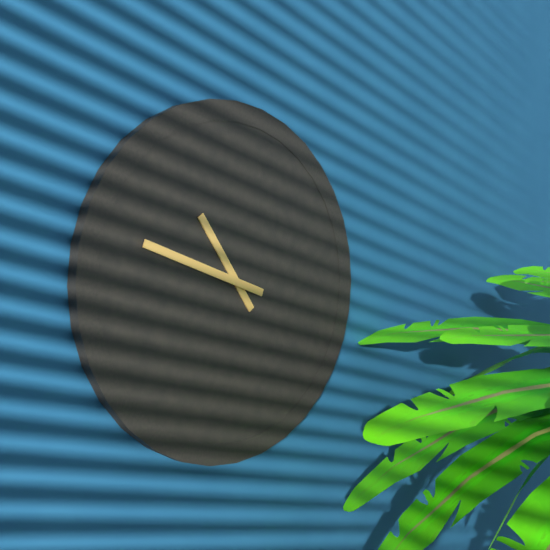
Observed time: **10:48**
